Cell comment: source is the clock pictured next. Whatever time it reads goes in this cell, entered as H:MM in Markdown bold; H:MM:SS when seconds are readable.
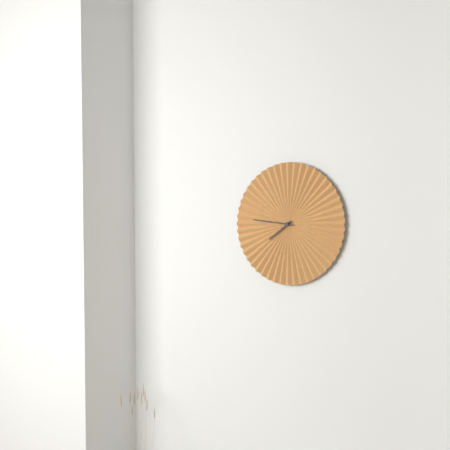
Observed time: **7:46**
